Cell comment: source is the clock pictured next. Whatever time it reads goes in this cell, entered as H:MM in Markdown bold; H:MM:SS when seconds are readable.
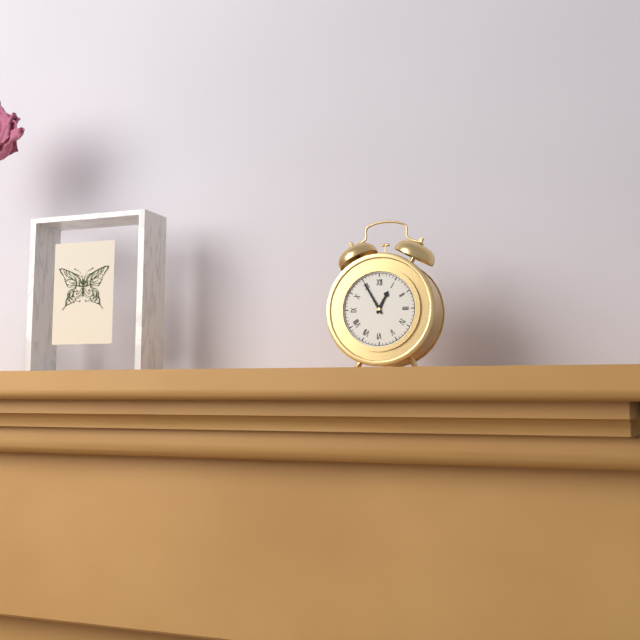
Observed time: **12:55**
